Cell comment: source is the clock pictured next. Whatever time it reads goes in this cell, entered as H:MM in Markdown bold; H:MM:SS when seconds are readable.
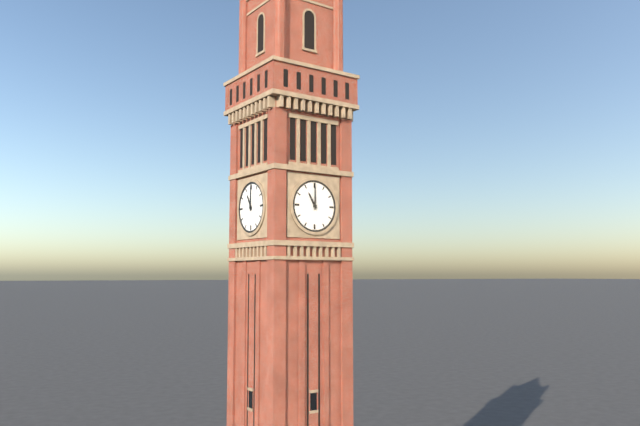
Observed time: **11:00**
